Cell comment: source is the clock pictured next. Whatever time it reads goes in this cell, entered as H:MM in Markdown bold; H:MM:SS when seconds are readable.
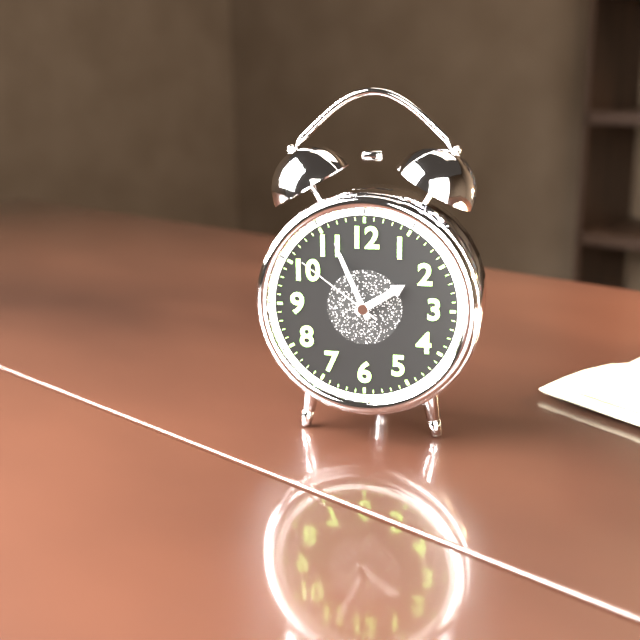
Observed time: **1:56:51**
